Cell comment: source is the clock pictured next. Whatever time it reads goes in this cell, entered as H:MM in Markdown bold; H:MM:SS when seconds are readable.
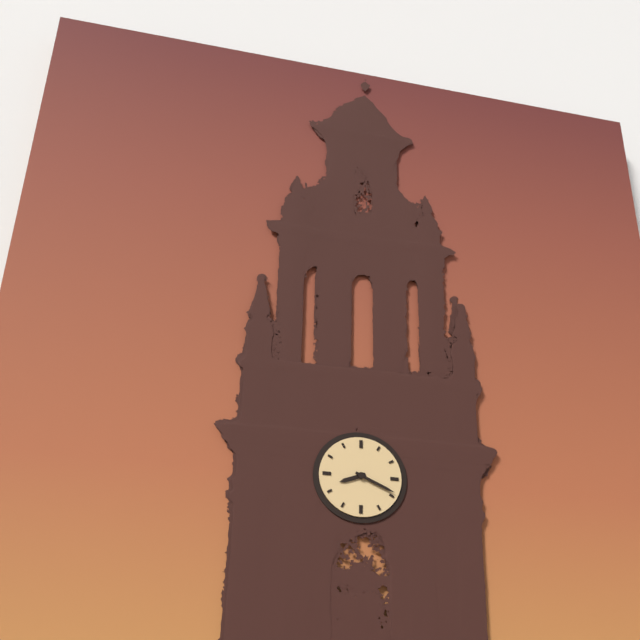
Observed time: **8:19**
